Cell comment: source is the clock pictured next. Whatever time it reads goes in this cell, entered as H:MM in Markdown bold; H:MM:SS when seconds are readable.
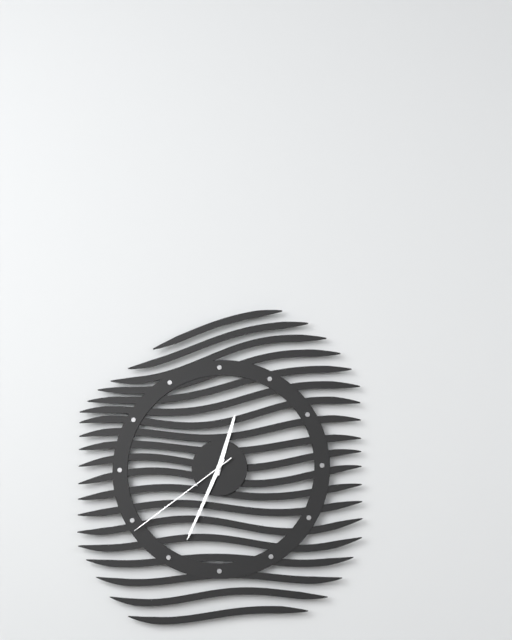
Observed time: **12:34:39**
